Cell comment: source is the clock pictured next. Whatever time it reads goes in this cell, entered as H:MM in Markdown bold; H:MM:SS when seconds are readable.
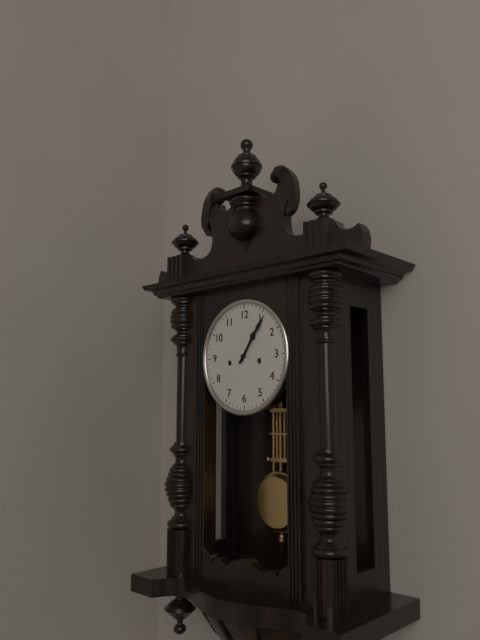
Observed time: **1:06**
